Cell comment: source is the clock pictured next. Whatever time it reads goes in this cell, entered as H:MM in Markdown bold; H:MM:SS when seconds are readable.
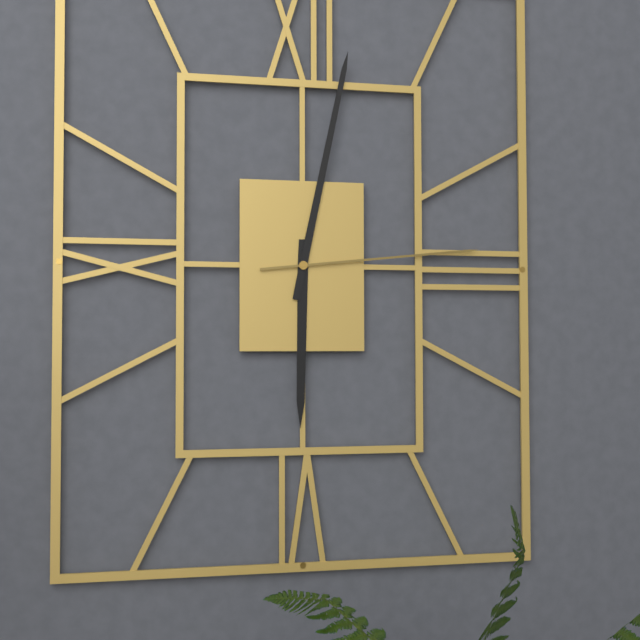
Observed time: **6:02:14**
